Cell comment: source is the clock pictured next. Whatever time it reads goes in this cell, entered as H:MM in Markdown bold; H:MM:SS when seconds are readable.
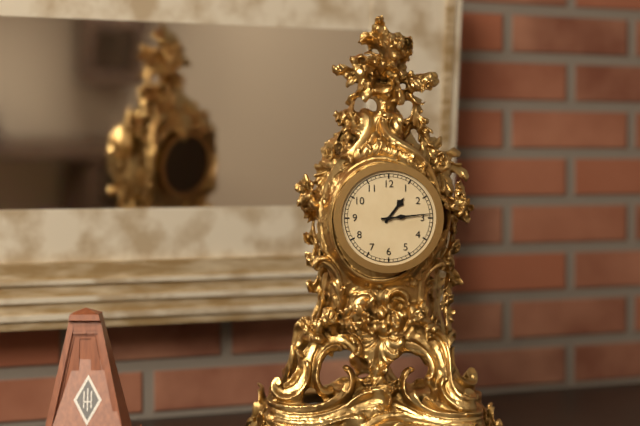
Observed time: **1:14**
